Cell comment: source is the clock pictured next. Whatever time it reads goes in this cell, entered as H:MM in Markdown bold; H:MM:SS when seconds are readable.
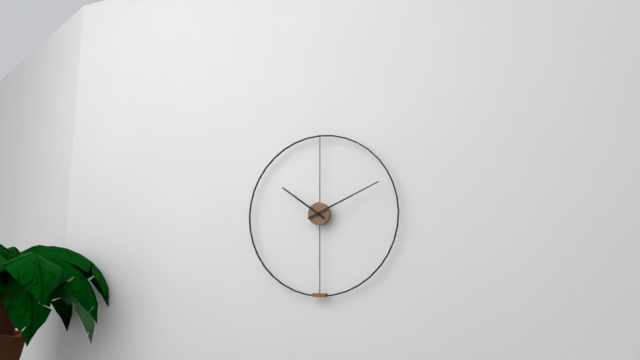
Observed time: **10:11**
